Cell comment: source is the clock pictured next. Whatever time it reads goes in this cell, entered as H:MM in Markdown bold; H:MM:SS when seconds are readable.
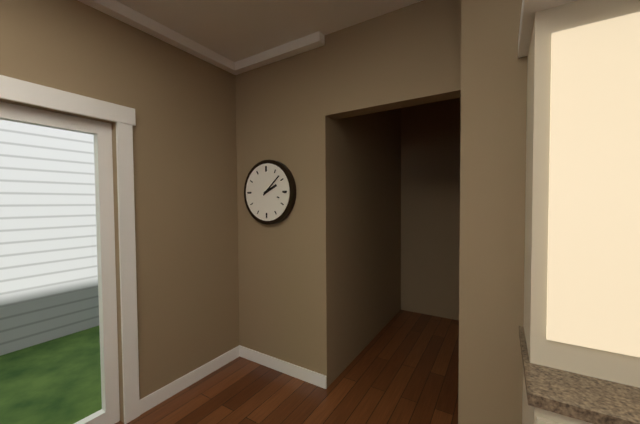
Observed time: **2:08**
